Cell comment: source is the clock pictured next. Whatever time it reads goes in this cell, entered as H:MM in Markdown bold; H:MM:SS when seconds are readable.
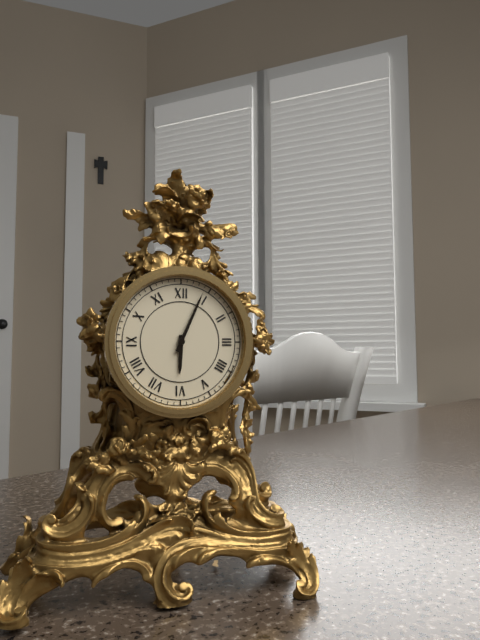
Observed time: **6:04**
